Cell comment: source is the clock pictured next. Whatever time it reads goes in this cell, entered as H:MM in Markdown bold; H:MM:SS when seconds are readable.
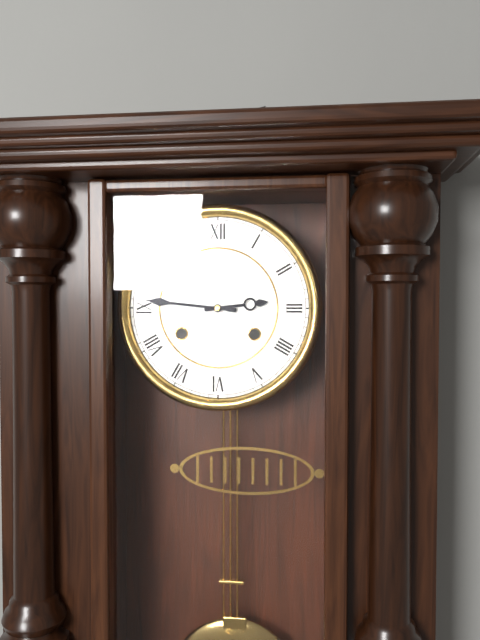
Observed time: **2:46**
